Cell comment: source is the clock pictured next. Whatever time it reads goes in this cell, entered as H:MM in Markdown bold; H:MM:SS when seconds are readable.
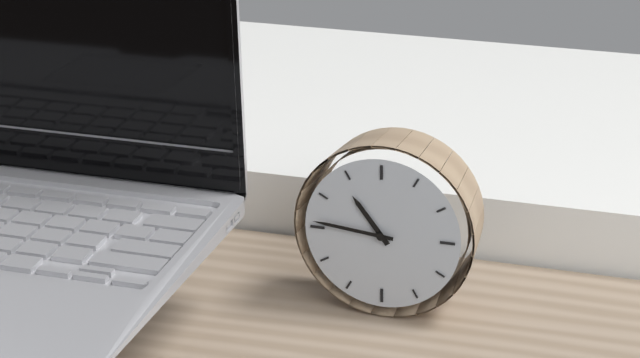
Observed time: **10:46**
